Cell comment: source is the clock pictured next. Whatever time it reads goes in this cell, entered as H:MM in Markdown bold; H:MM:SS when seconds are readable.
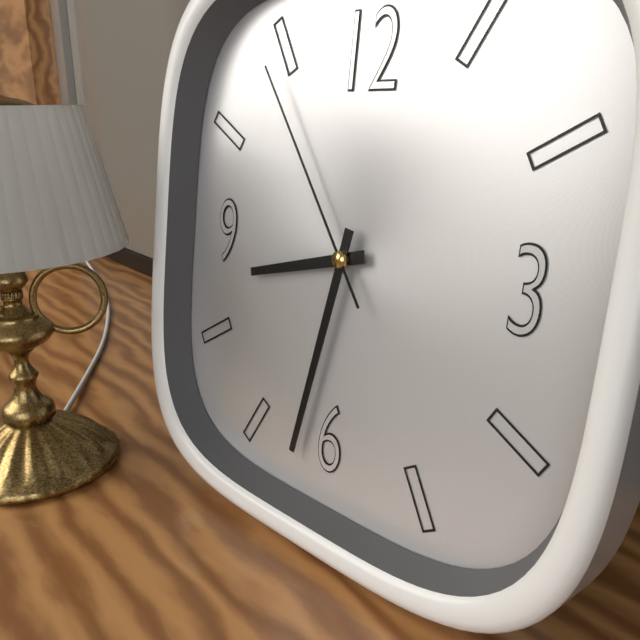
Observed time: **8:32:54**
